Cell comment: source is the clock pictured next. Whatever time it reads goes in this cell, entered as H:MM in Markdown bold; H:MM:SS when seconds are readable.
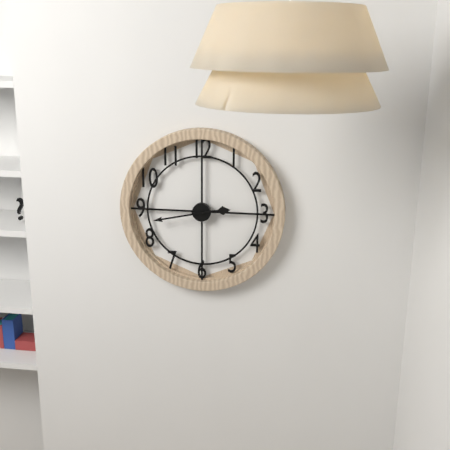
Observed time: **2:43**
